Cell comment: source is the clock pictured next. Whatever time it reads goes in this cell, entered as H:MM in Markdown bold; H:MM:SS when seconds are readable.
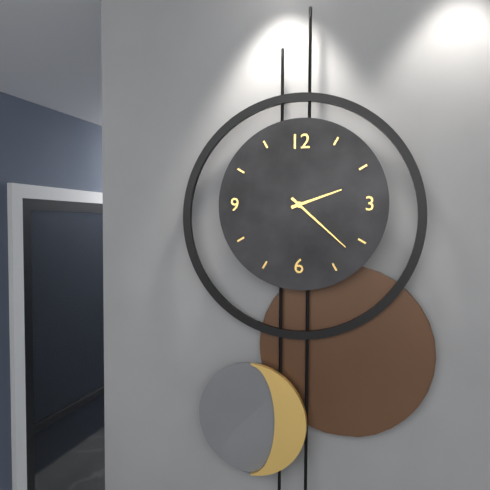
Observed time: **2:22**
